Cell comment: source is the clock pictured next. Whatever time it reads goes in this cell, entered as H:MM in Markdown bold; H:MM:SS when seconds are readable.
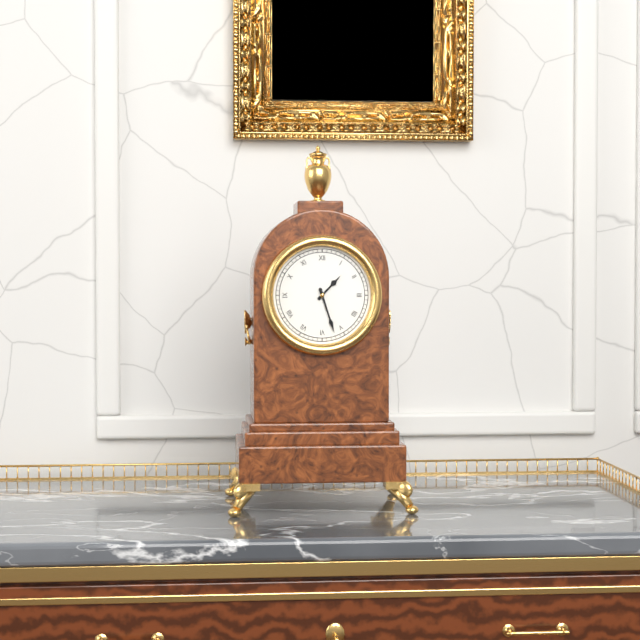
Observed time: **1:27**
